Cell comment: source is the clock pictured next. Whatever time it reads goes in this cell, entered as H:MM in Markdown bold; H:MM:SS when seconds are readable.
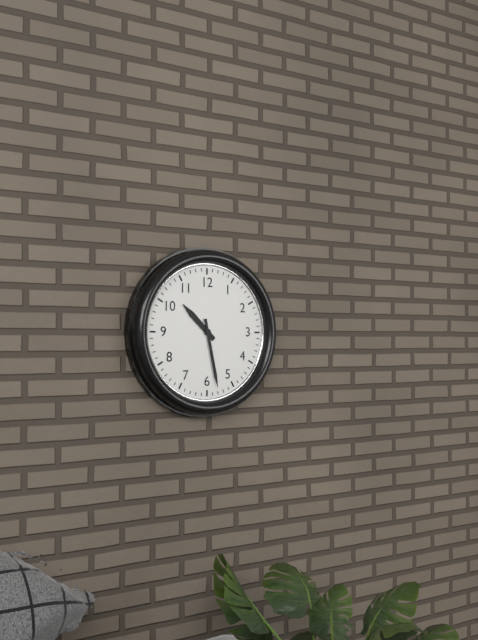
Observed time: **10:28**
